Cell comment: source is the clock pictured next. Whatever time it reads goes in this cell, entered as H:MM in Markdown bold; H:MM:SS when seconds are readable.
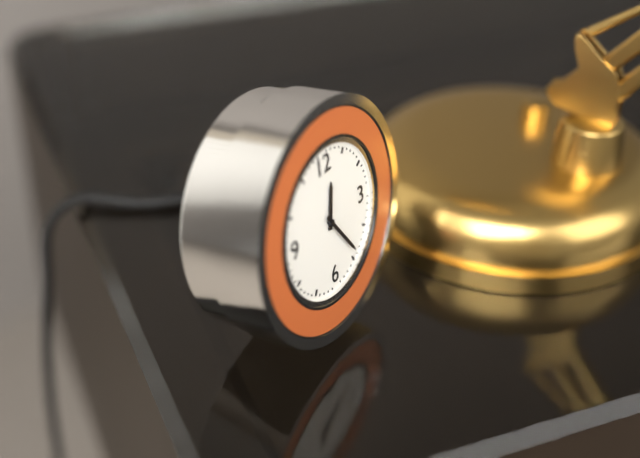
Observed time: **12:24**
